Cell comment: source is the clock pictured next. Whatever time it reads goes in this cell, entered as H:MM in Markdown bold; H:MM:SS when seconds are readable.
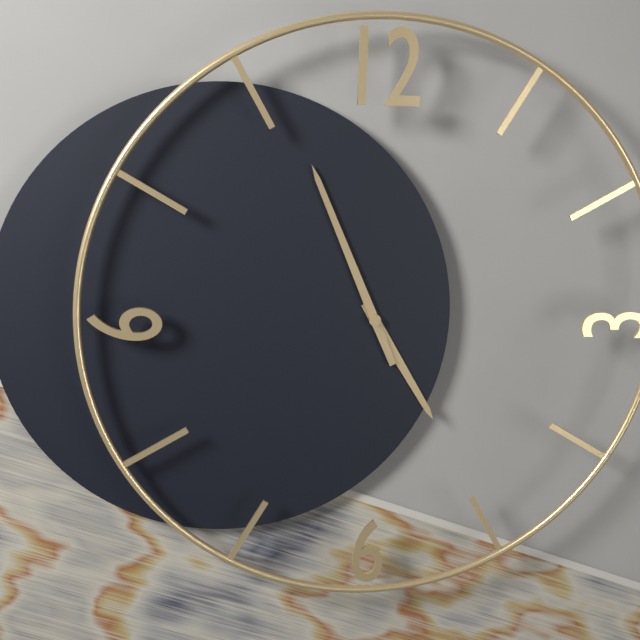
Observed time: **4:56**
